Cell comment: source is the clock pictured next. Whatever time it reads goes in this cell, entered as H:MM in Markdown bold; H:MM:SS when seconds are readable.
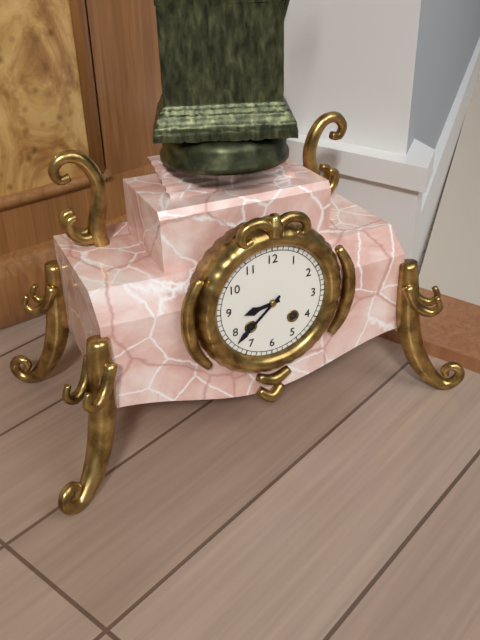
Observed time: **8:38**
